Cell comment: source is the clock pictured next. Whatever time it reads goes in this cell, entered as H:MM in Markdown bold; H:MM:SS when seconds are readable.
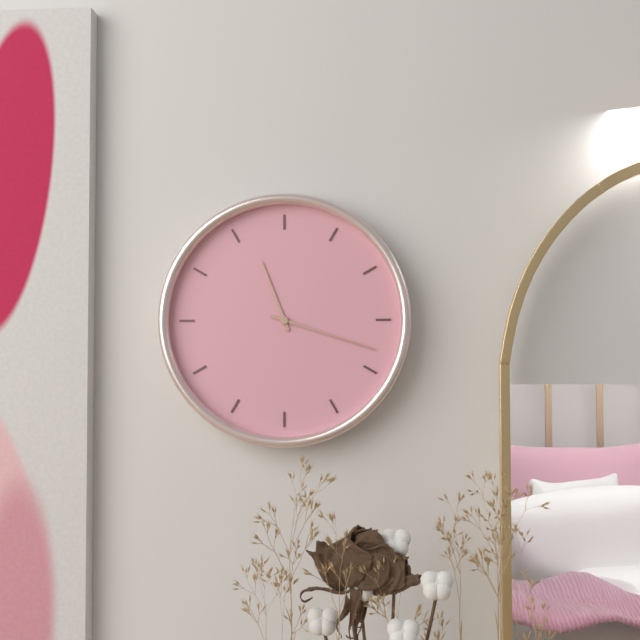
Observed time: **11:18**
